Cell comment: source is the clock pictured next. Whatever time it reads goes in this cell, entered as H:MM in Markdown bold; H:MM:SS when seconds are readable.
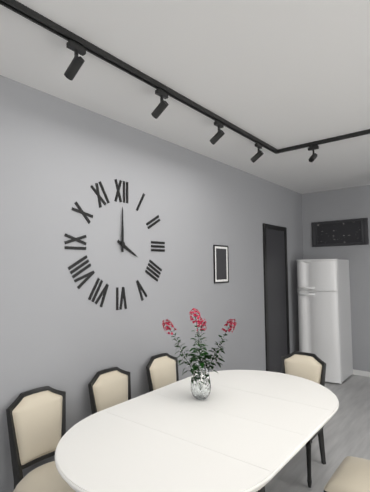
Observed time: **4:00**
